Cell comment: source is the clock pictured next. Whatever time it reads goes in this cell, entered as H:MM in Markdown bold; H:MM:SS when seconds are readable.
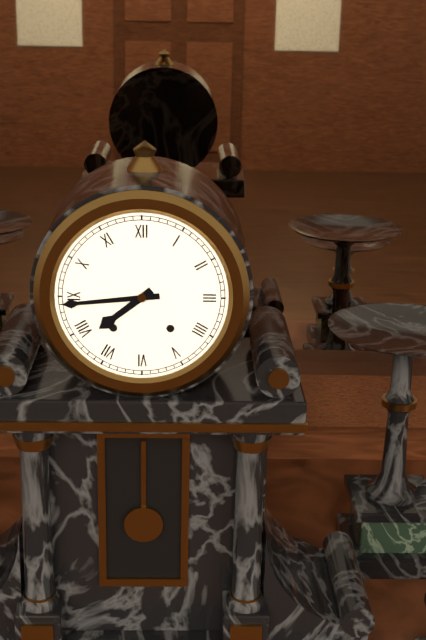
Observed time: **7:44**
